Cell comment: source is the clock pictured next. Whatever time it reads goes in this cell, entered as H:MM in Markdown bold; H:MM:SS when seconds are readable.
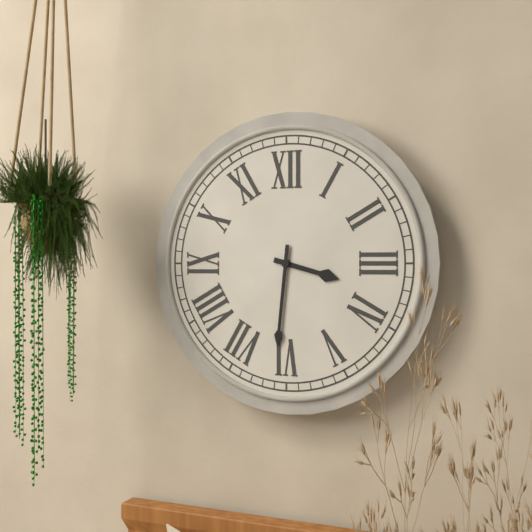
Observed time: **3:31**
